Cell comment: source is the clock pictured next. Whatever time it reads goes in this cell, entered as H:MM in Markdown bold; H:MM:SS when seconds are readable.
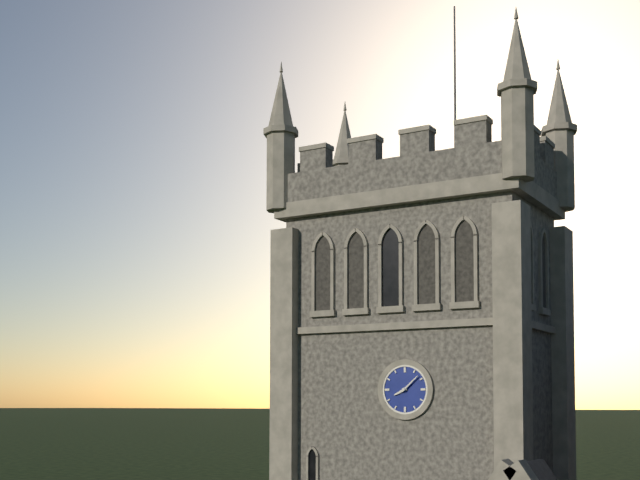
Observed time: **8:08**
